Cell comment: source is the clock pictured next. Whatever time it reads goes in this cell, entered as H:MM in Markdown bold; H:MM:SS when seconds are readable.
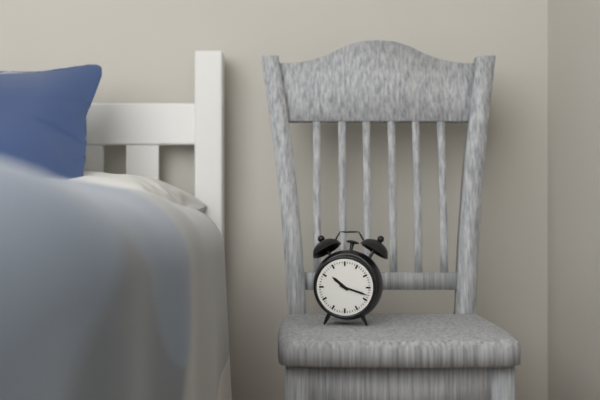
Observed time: **10:18**
